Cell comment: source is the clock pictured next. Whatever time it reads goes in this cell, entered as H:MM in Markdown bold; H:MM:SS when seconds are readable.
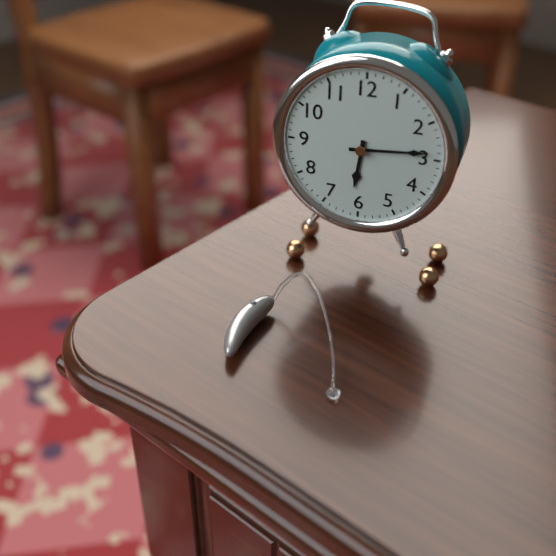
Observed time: **6:14**
